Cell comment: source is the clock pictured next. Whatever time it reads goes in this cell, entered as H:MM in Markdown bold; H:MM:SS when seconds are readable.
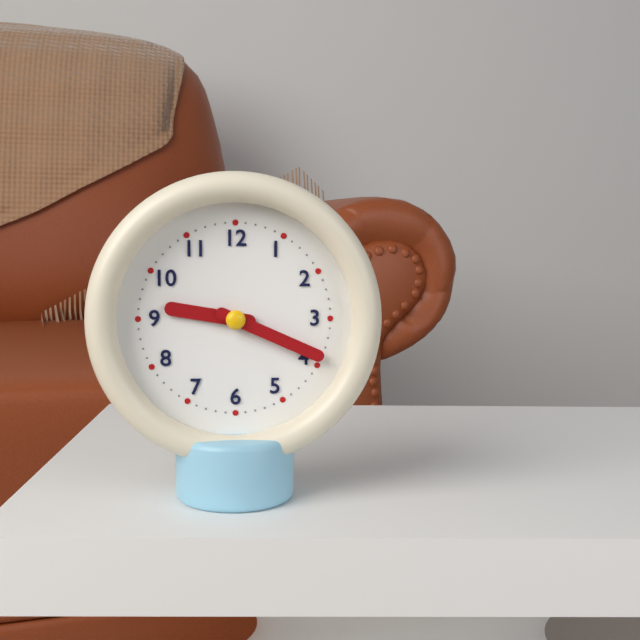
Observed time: **9:19**
